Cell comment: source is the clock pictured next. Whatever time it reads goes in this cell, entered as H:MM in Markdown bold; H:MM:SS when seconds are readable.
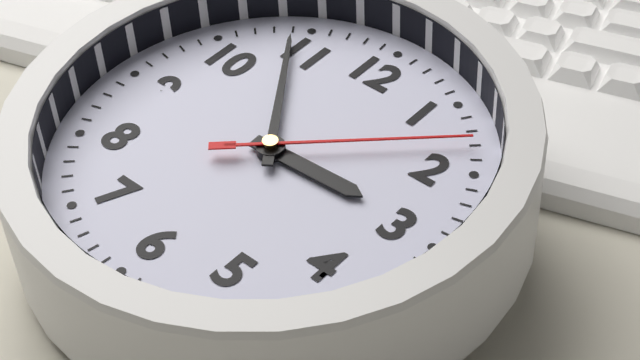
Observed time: **2:54:08**
